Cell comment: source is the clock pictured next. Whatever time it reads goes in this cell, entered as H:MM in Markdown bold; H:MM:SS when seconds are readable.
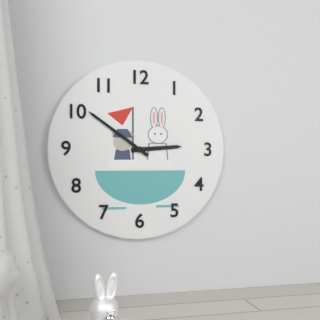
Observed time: **2:51**
